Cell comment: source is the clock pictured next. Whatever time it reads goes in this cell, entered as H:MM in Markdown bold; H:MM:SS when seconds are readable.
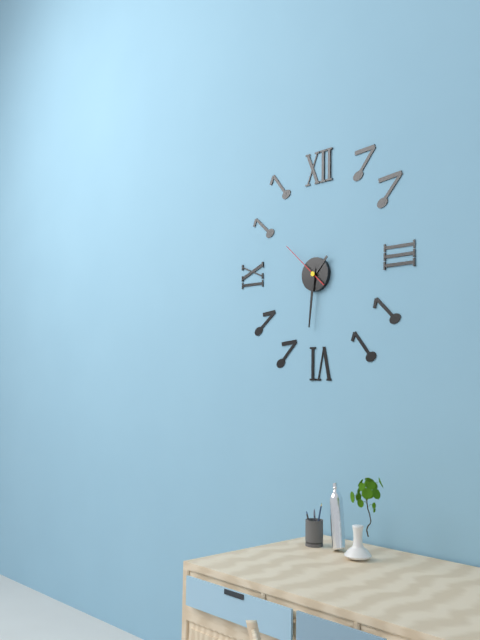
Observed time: **1:31**
